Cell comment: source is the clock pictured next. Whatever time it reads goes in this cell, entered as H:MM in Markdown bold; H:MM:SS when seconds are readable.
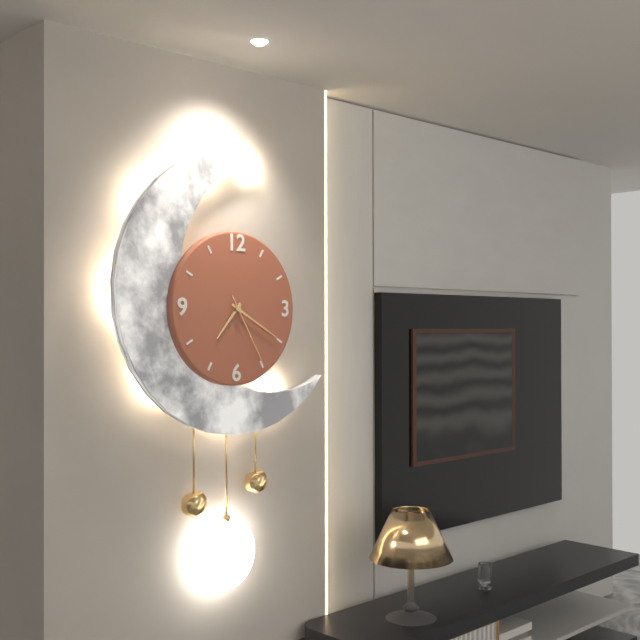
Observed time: **7:20:25**
